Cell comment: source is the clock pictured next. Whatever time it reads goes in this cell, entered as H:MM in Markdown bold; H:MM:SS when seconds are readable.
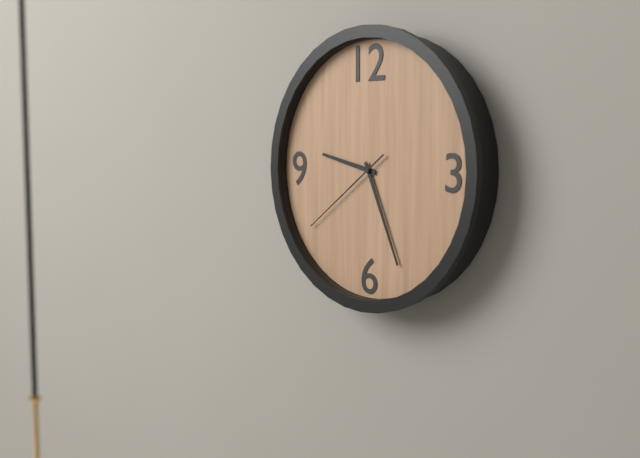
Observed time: **9:26:39**
